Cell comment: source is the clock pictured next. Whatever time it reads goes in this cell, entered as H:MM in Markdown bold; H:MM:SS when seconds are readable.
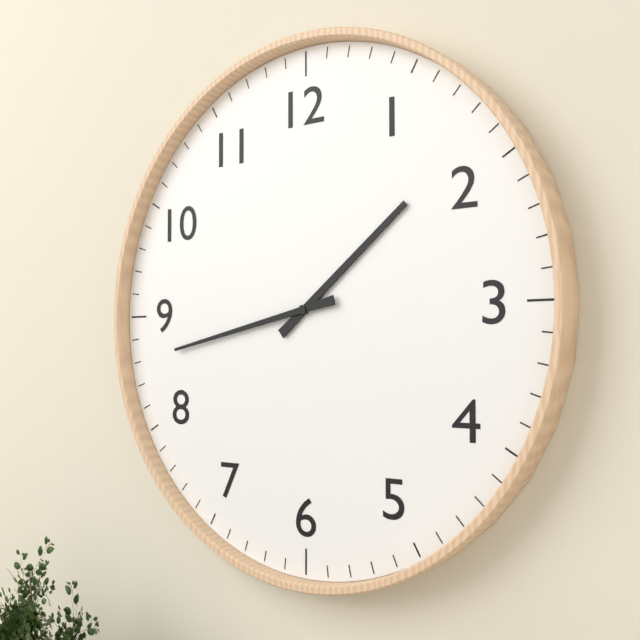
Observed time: **1:43**
